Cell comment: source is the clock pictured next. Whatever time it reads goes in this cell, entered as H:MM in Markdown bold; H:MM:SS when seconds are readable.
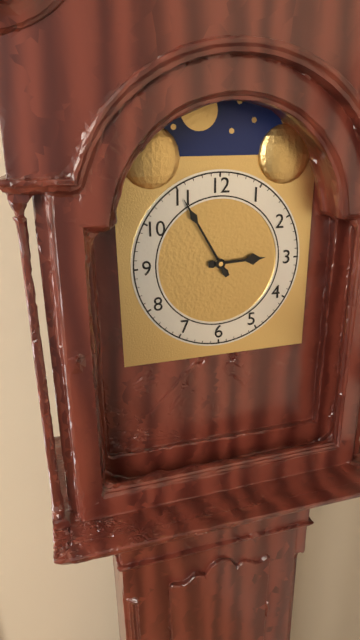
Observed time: **2:55**
